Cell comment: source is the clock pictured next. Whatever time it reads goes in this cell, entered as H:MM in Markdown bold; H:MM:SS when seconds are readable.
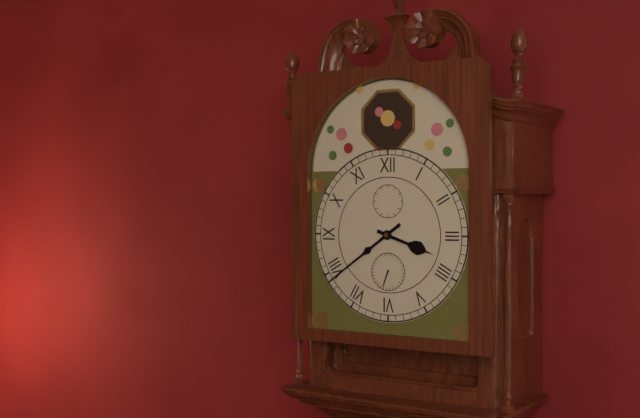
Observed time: **3:39**
